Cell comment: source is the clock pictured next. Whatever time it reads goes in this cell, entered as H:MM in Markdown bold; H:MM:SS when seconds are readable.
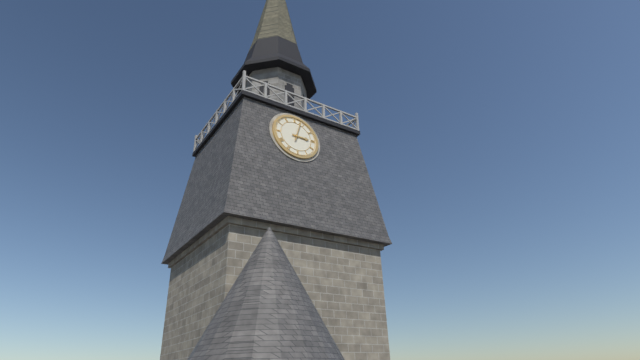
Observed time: **3:03**
